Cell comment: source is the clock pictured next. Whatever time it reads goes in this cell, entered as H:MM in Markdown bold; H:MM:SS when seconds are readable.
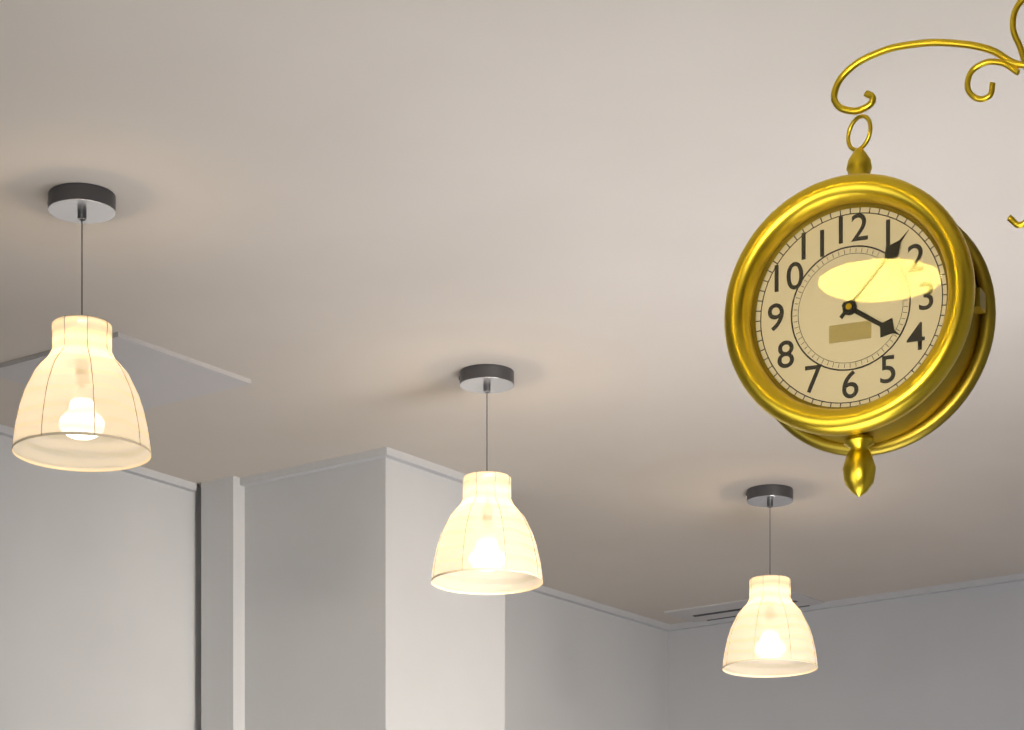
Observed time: **4:07**
